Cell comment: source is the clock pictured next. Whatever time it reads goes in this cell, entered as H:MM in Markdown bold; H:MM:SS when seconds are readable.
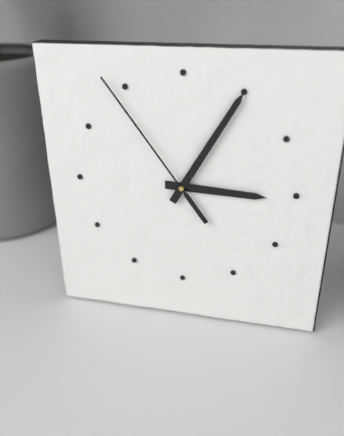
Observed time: **3:05:54**
